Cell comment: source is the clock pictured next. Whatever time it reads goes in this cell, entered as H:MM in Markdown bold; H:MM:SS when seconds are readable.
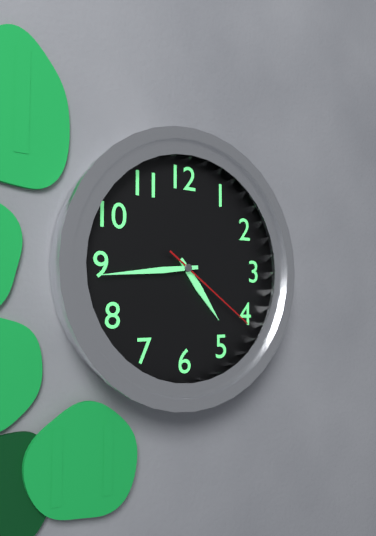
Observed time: **4:44:21**
